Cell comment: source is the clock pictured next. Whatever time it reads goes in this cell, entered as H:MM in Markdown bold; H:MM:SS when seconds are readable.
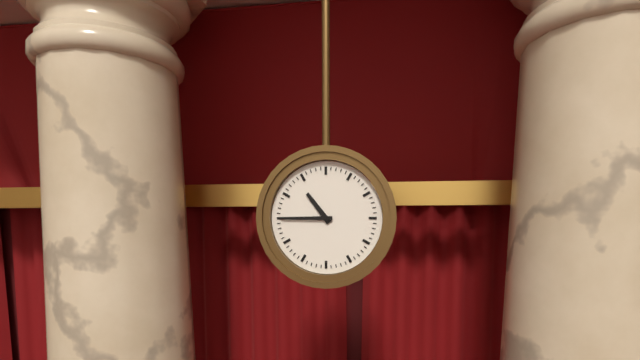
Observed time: **10:45**
